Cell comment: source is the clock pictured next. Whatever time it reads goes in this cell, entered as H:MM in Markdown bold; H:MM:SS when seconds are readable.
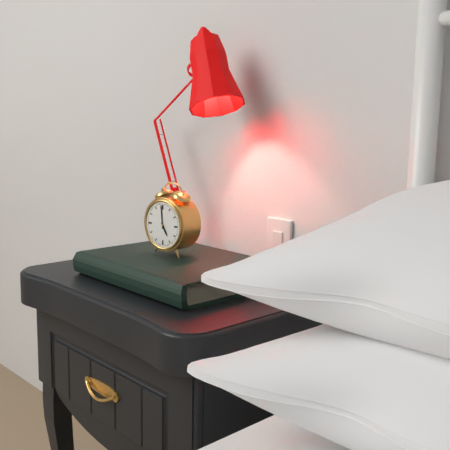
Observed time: **4:59**
